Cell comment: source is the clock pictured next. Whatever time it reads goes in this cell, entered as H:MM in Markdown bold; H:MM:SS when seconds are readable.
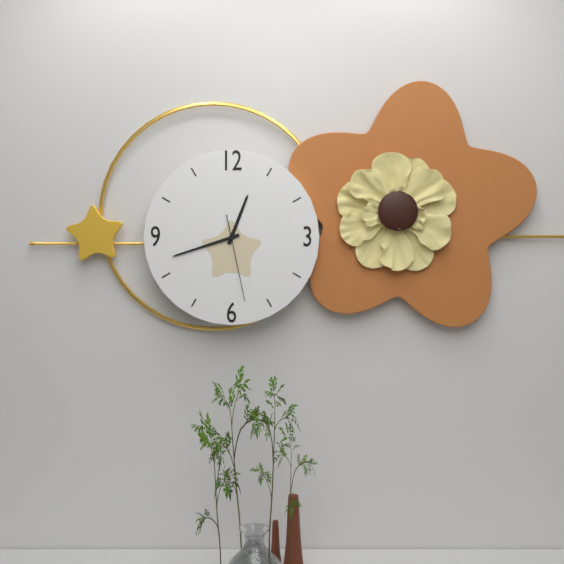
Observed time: **12:42:28**
